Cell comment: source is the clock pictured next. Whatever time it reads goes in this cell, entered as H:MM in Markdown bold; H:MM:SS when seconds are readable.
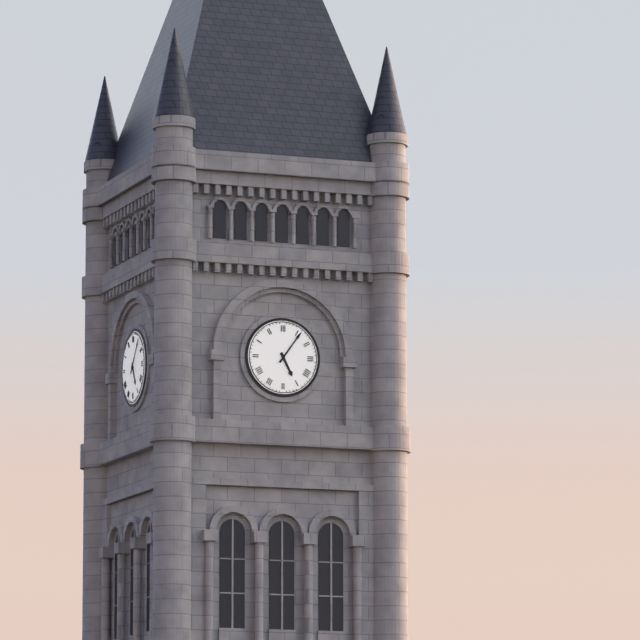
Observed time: **5:06**
